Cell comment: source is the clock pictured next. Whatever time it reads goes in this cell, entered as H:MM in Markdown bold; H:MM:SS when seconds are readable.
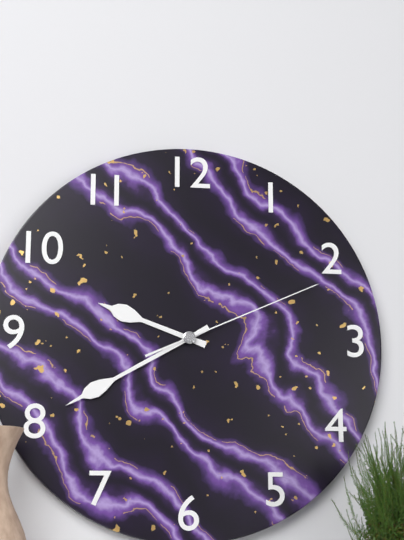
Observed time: **9:40:11**
